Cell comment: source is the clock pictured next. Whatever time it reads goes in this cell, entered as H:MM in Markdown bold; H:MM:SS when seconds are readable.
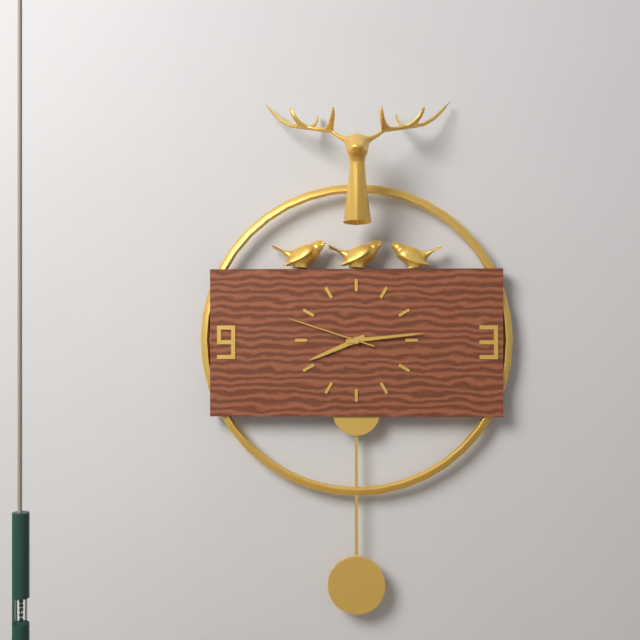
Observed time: **8:14:48**
